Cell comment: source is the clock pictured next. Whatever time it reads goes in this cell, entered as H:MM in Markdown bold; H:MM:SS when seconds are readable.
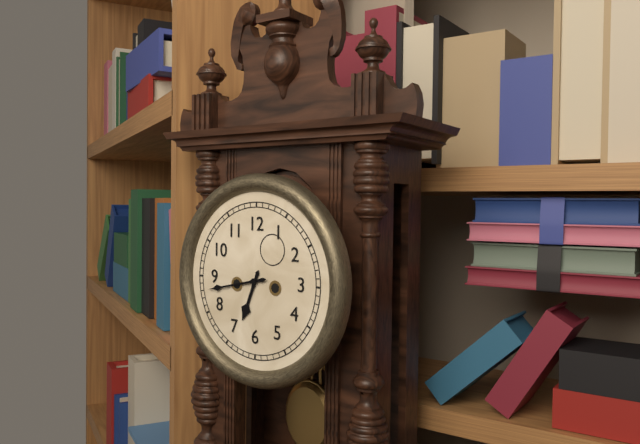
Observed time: **6:43**
